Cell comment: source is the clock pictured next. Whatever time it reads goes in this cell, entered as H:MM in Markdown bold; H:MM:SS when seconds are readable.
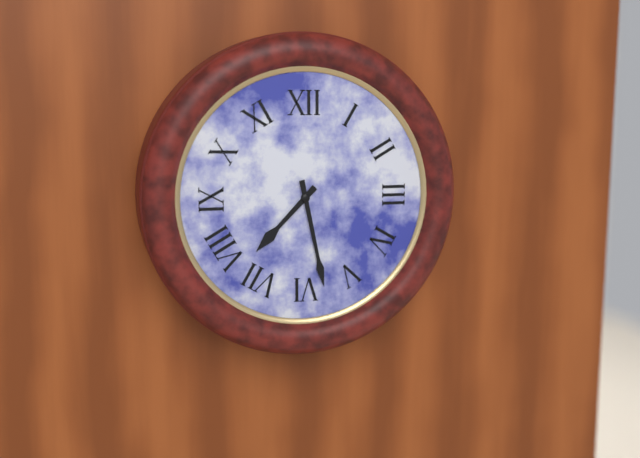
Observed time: **7:28**
